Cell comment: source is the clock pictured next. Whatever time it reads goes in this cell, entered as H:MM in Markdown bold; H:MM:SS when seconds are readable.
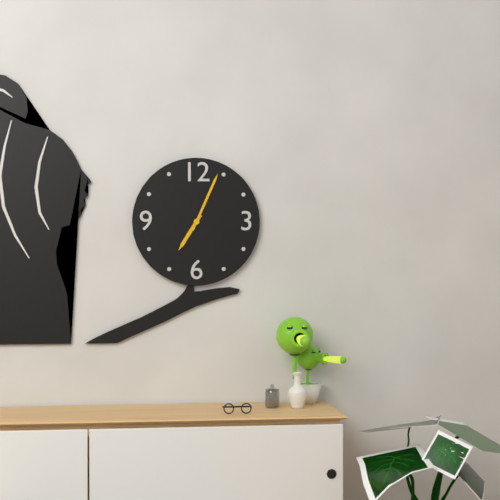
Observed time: **7:04**
